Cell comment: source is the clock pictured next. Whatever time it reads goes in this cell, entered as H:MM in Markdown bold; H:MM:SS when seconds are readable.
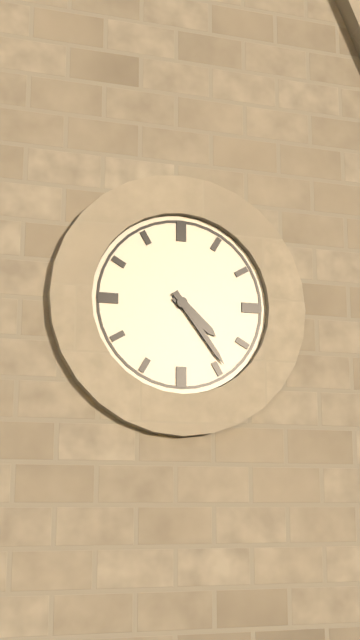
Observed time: **4:24**
